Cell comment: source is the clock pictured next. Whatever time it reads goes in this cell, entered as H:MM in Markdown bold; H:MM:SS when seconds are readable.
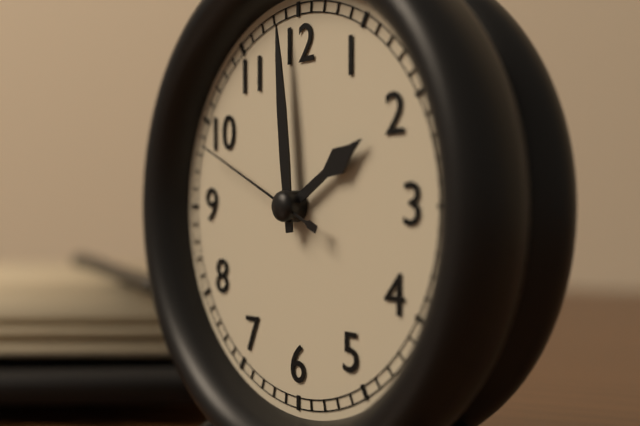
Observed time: **1:59:49**
